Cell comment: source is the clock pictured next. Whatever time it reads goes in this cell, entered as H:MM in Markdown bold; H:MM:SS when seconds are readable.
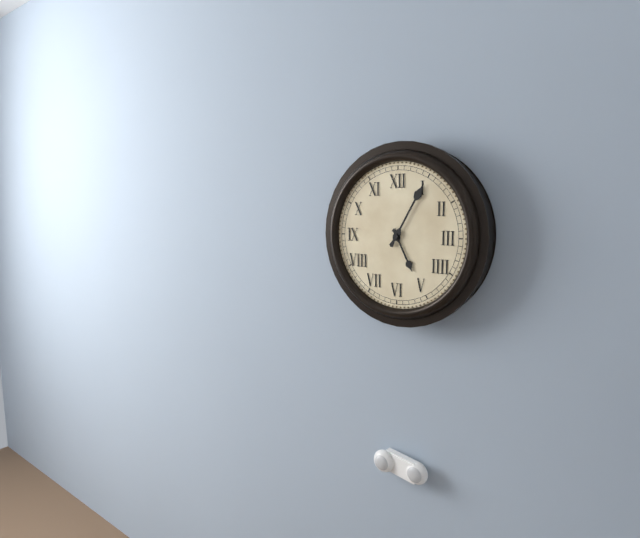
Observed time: **5:05**
